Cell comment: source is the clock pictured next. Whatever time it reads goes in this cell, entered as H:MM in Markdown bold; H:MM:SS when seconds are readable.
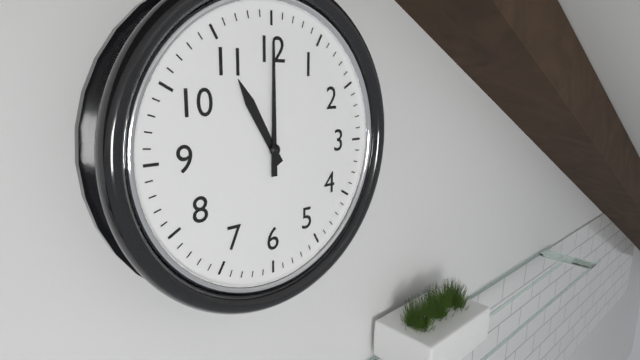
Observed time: **11:00**
